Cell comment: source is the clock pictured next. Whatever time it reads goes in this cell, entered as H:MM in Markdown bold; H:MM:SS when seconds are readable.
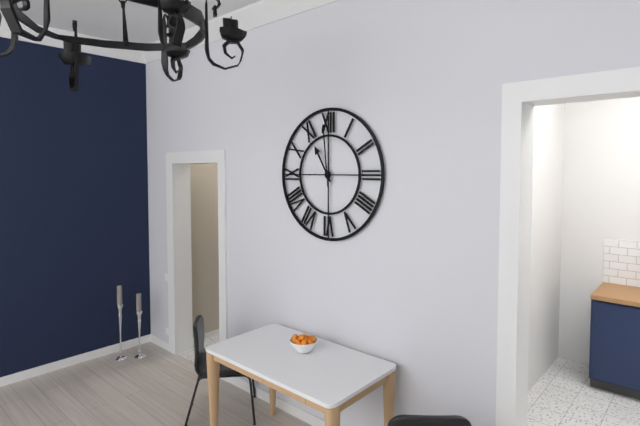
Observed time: **10:59**
